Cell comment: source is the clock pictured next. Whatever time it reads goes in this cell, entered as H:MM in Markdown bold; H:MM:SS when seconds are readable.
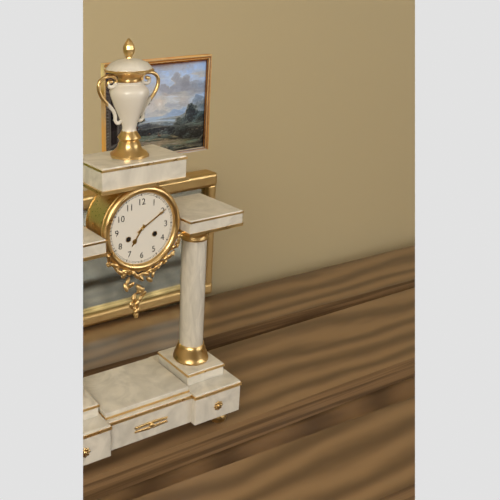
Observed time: **7:10**
